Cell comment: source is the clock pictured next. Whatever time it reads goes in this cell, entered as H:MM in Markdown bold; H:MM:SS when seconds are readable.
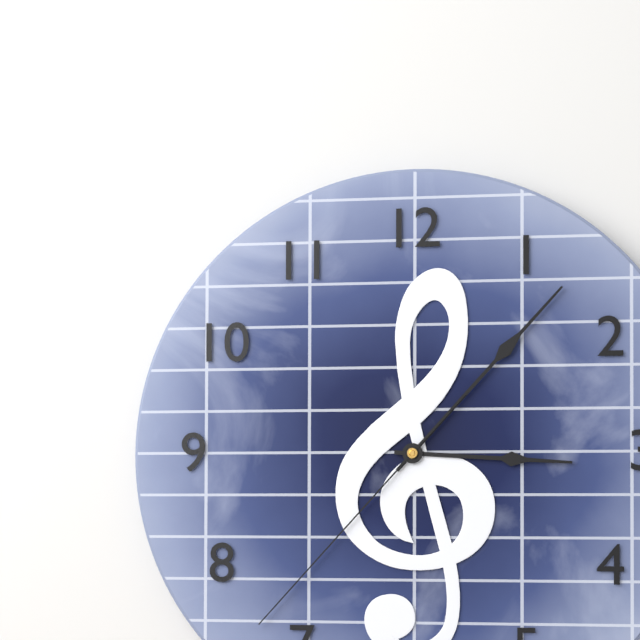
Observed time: **3:07:37**
